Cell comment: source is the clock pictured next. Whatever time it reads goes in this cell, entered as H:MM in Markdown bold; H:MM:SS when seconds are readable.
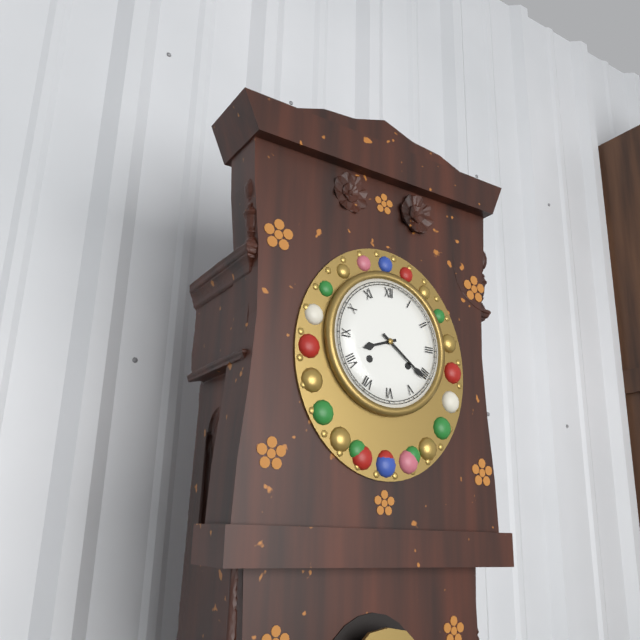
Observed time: **8:21**
